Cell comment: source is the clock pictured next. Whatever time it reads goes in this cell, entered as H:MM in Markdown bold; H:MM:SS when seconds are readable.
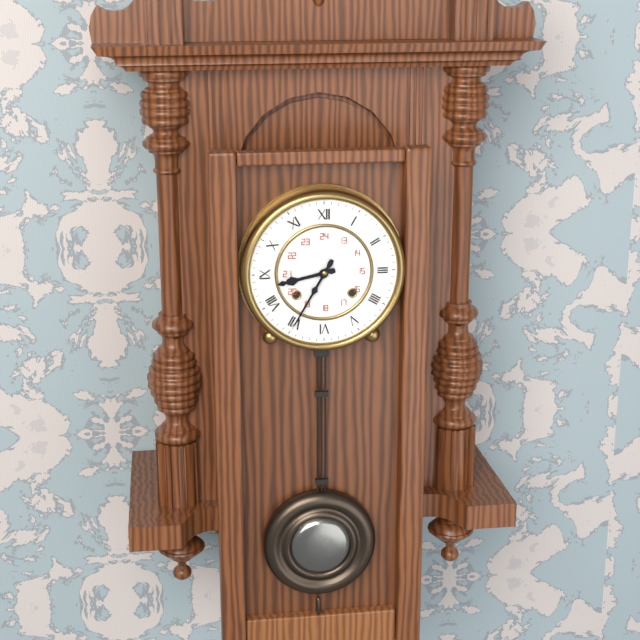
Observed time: **8:35**
